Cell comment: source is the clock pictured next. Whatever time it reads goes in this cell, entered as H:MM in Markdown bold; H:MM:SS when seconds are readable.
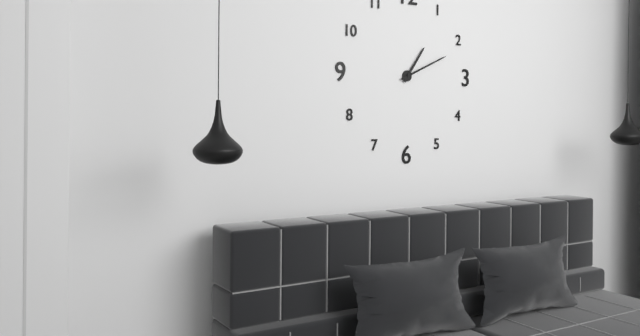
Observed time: **1:11**
